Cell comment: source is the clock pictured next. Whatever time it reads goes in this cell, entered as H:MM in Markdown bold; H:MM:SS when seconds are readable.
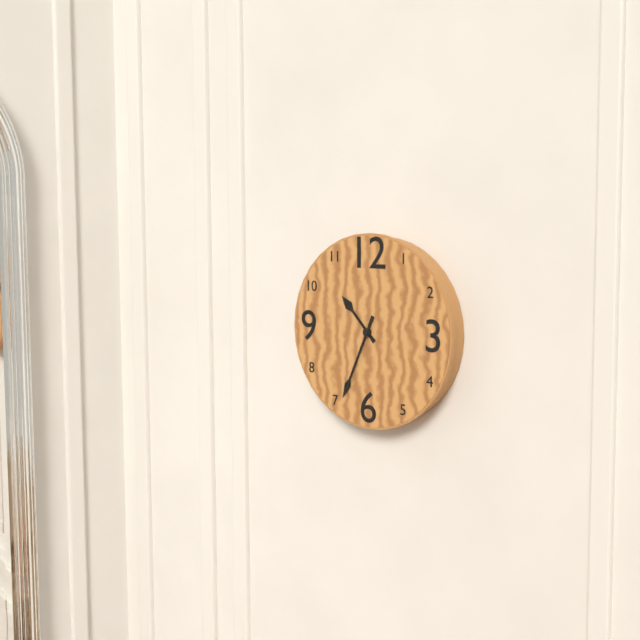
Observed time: **10:34**
